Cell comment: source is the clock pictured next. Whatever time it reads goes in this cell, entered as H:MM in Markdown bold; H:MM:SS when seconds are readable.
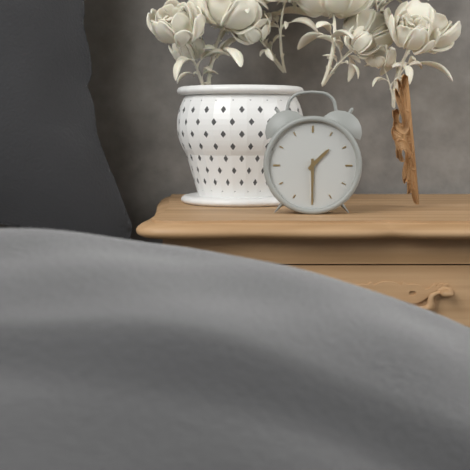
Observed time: **1:30**
